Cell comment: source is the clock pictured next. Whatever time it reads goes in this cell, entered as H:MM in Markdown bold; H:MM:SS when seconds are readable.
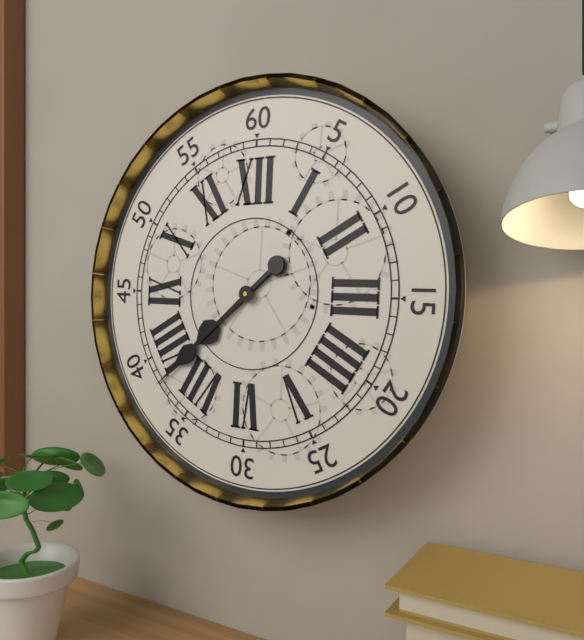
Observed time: **7:38**
